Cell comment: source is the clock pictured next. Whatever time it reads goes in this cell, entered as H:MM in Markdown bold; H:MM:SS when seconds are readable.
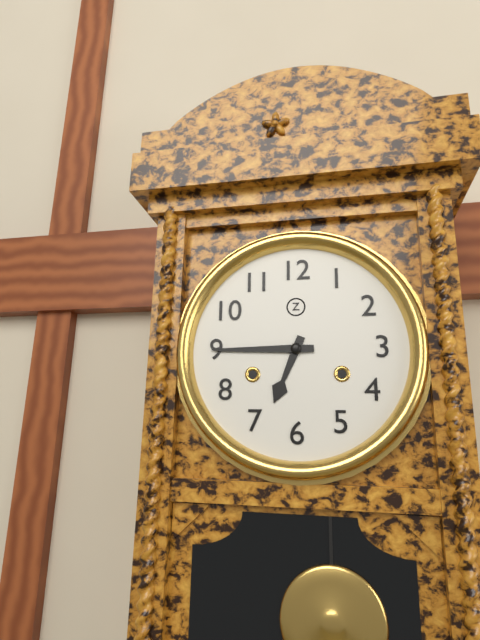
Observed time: **6:45**
